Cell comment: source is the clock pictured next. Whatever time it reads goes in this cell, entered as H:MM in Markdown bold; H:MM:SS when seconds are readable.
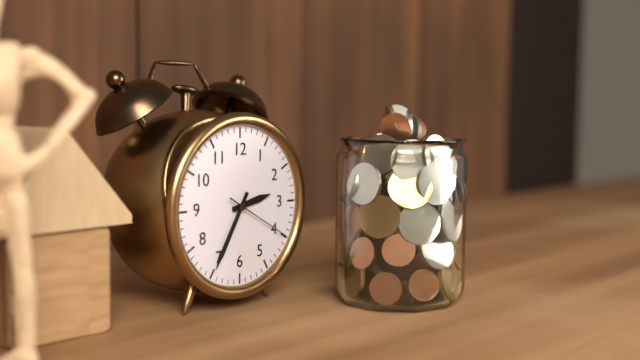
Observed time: **2:35:20**
